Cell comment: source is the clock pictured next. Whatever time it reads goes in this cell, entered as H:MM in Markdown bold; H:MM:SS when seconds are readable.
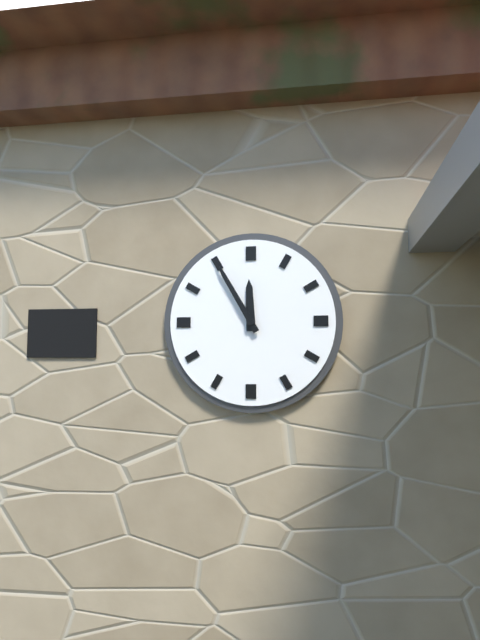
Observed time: **11:55**
